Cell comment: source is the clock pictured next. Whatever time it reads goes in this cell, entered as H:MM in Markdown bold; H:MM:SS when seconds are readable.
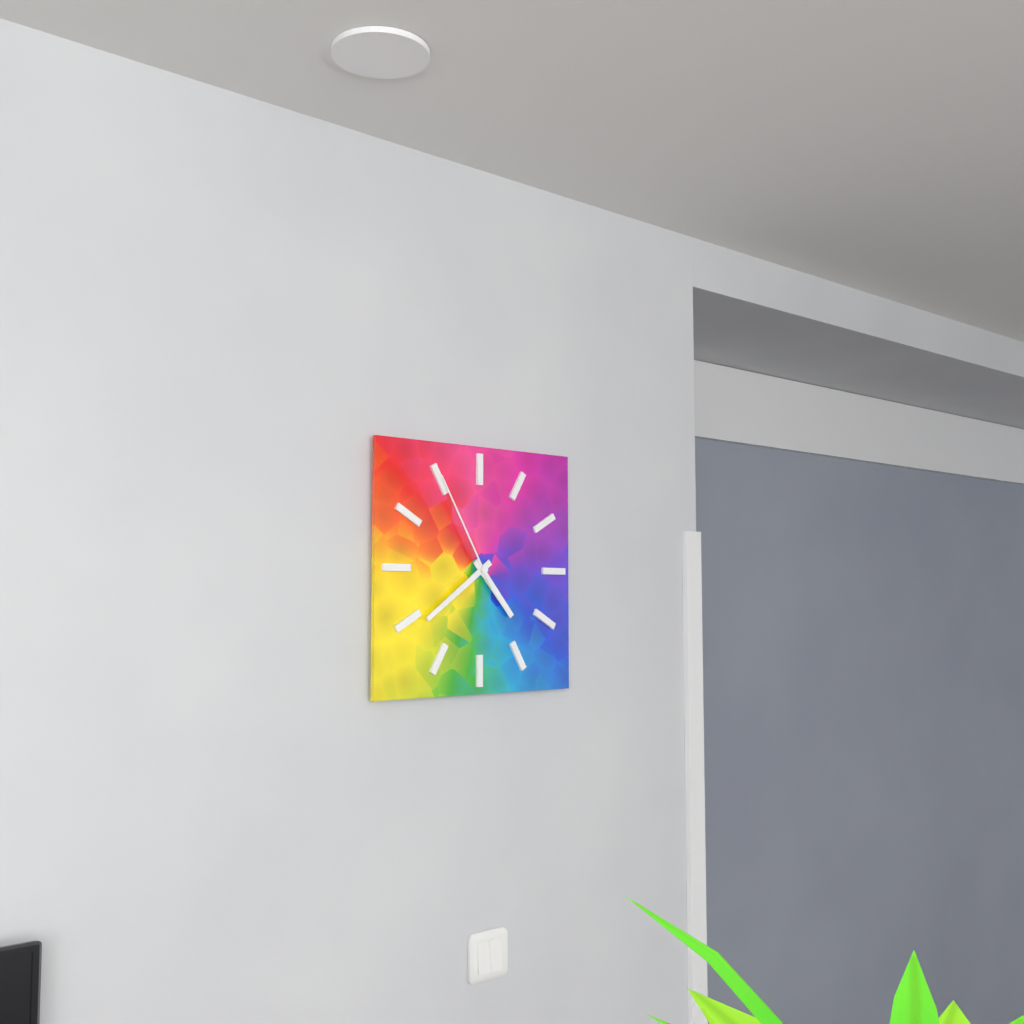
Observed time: **4:39:55**
